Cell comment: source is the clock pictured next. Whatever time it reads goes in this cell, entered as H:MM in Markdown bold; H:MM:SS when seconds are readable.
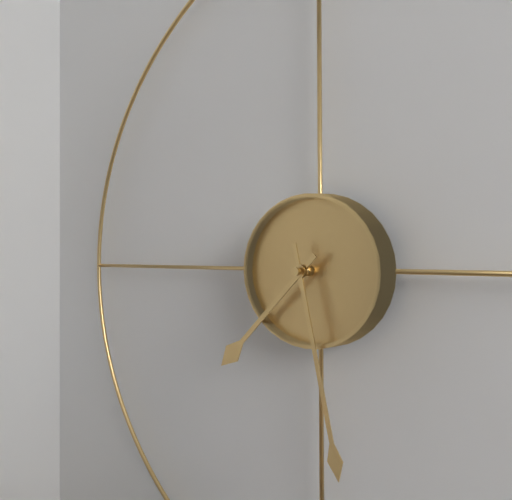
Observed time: **7:28**
